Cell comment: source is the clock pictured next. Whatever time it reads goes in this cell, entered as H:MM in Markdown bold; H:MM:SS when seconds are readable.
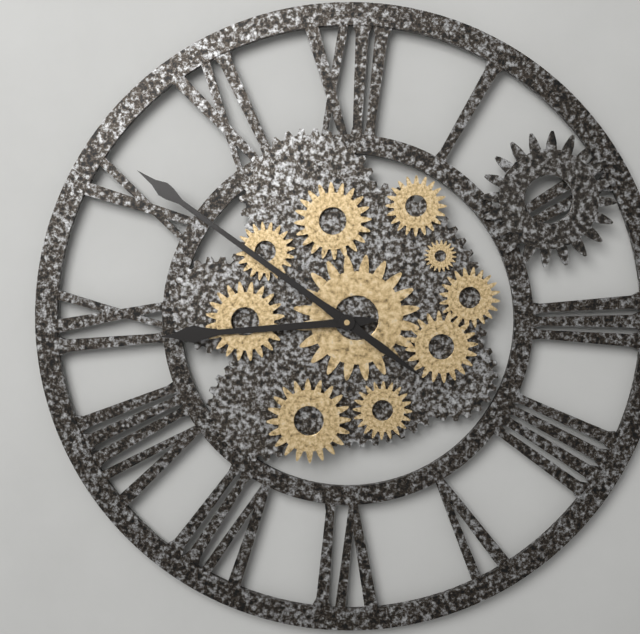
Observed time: **8:51**
